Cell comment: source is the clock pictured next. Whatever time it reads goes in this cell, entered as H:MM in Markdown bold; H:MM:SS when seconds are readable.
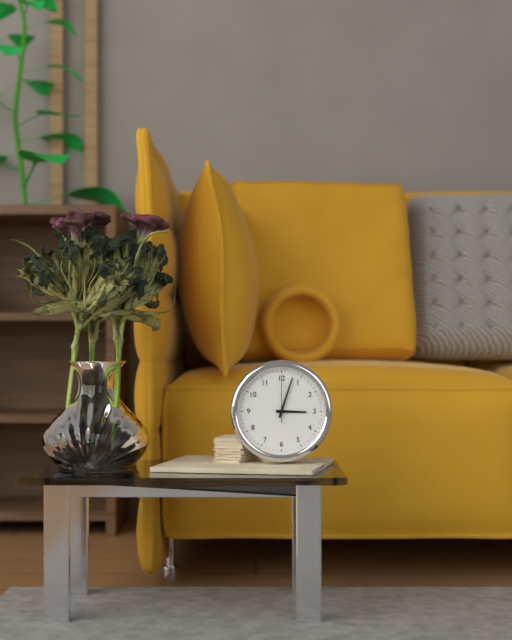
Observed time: **3:03**
